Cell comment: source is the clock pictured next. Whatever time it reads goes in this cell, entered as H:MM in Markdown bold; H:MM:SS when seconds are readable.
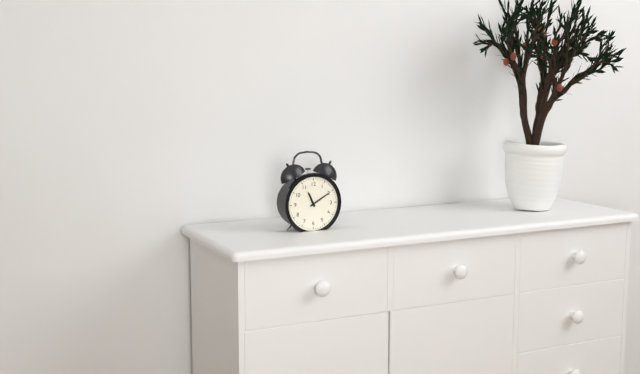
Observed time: **11:10**
